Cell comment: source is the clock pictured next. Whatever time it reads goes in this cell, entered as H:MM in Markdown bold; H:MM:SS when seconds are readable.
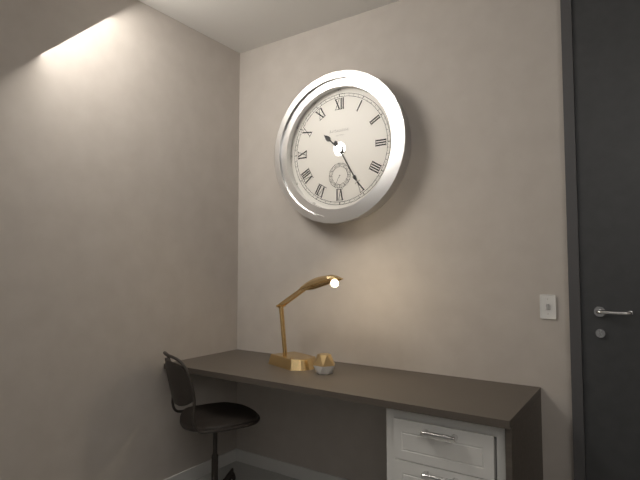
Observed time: **10:25**
